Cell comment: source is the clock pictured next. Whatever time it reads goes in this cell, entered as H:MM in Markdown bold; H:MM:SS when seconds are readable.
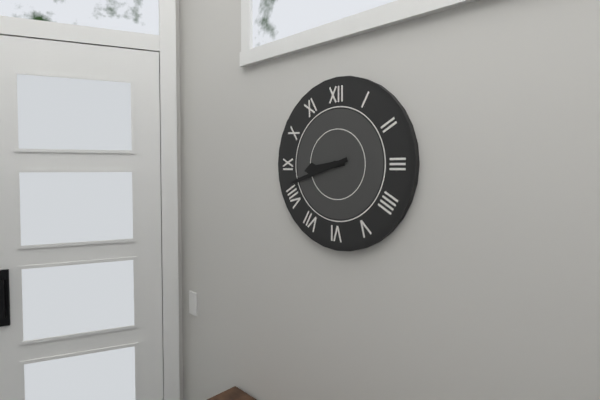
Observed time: **8:42**
